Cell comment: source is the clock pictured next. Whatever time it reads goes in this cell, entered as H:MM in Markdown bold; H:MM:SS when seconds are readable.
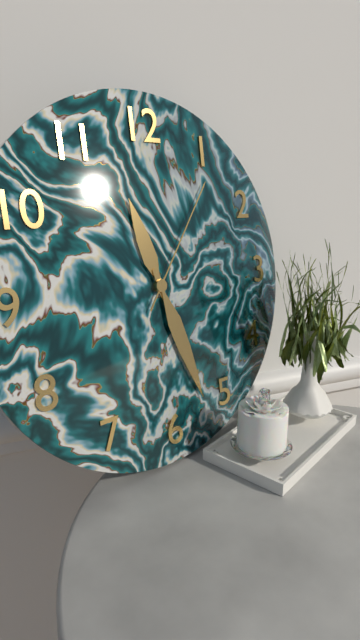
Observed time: **11:27:06**
